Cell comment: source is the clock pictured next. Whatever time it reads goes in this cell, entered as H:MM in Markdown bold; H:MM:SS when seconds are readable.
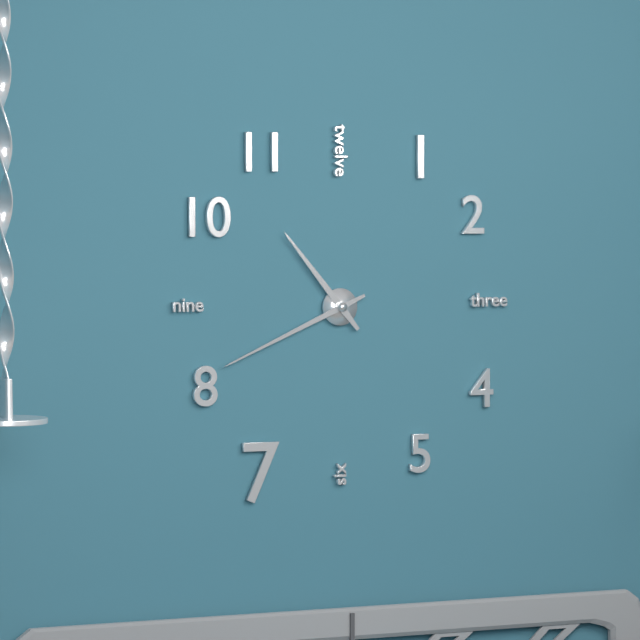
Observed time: **10:41**
